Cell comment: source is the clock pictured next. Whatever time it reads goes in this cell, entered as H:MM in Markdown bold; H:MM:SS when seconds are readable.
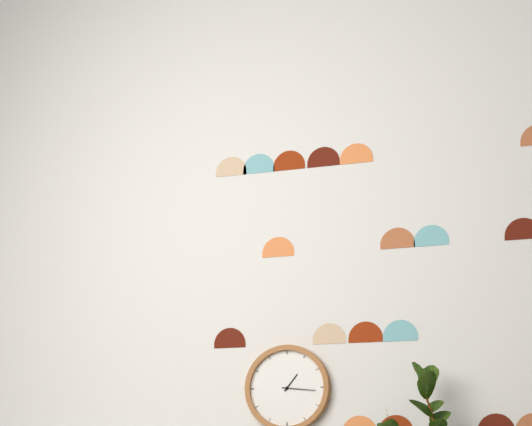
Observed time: **1:16**
